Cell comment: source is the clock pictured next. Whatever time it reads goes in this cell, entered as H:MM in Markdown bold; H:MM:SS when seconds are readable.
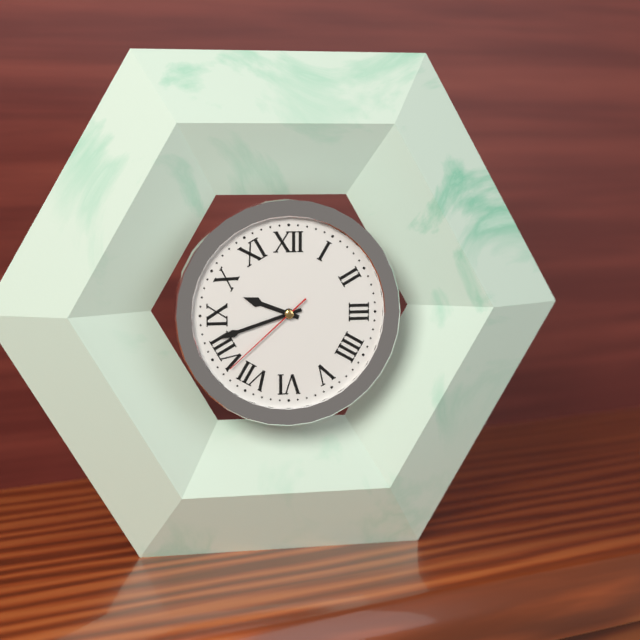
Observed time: **9:42:38**
